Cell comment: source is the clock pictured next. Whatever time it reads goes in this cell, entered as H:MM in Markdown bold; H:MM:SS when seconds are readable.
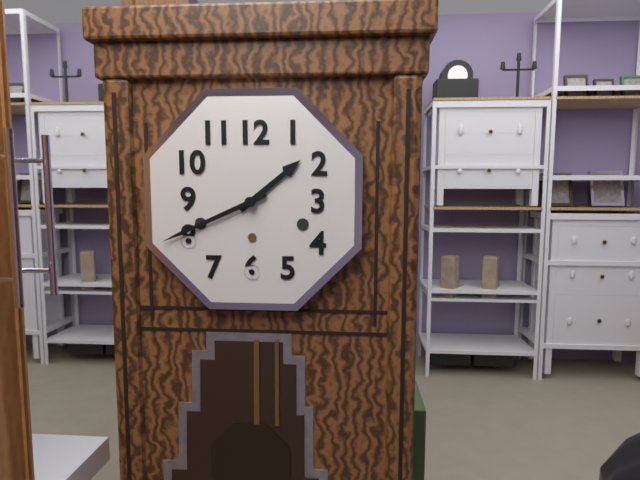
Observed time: **1:41**
